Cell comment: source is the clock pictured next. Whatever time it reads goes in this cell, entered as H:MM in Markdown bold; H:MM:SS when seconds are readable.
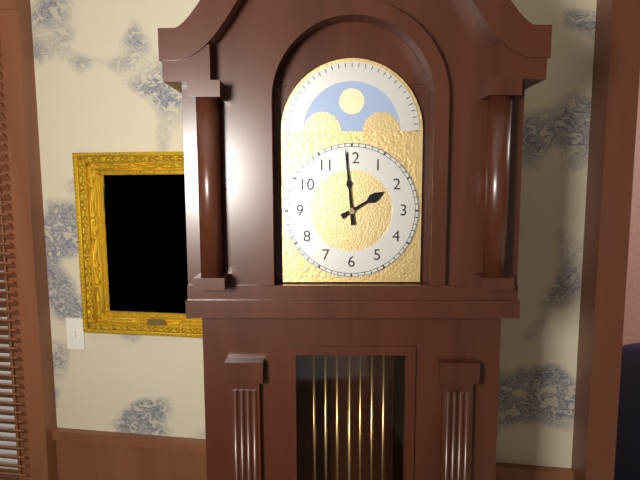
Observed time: **1:59**
